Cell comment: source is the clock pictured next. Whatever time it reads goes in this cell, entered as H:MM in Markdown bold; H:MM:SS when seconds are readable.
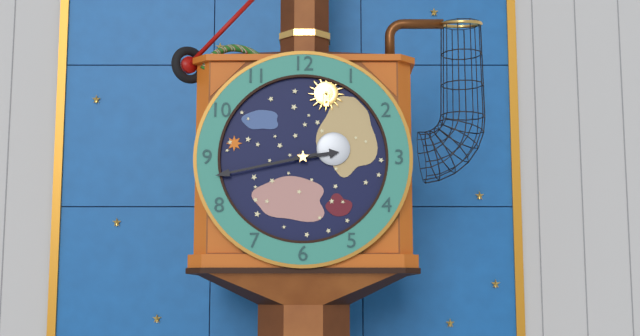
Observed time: **2:43**
